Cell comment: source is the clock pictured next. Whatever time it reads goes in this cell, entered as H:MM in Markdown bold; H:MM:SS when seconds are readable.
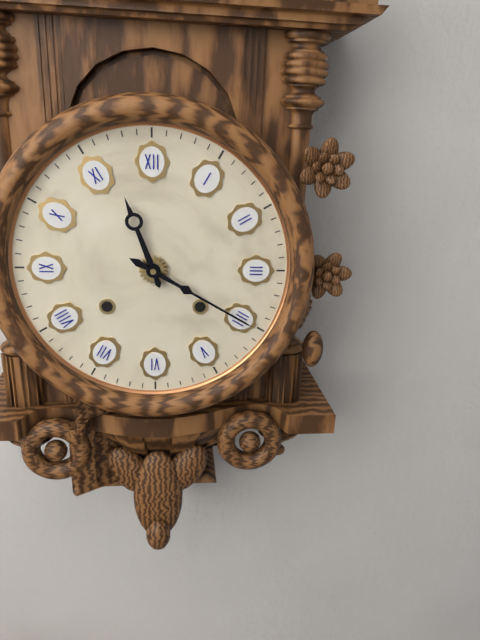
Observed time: **11:20**
